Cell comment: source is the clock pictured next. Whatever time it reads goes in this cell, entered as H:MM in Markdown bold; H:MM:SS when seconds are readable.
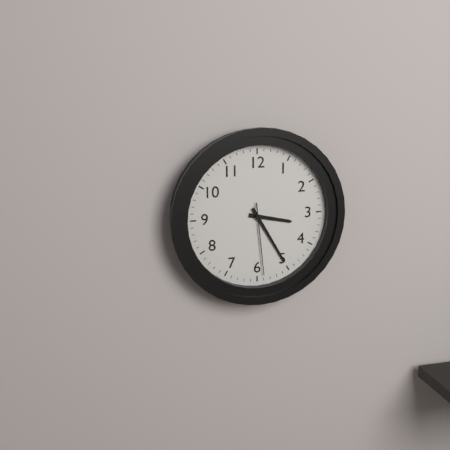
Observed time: **3:25:29**
